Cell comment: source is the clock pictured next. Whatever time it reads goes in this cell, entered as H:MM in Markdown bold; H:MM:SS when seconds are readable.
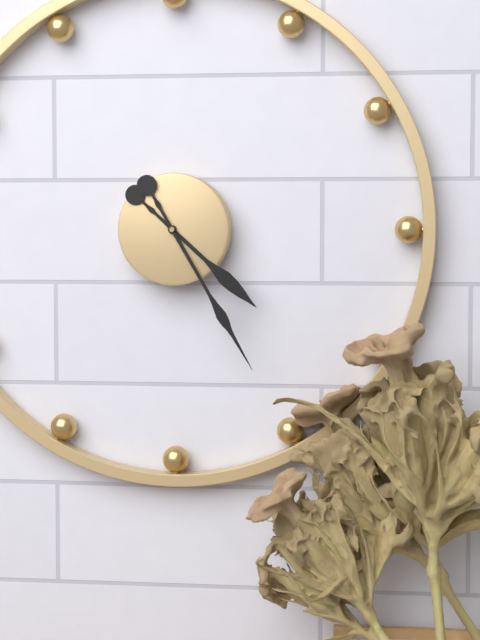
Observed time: **4:25**
